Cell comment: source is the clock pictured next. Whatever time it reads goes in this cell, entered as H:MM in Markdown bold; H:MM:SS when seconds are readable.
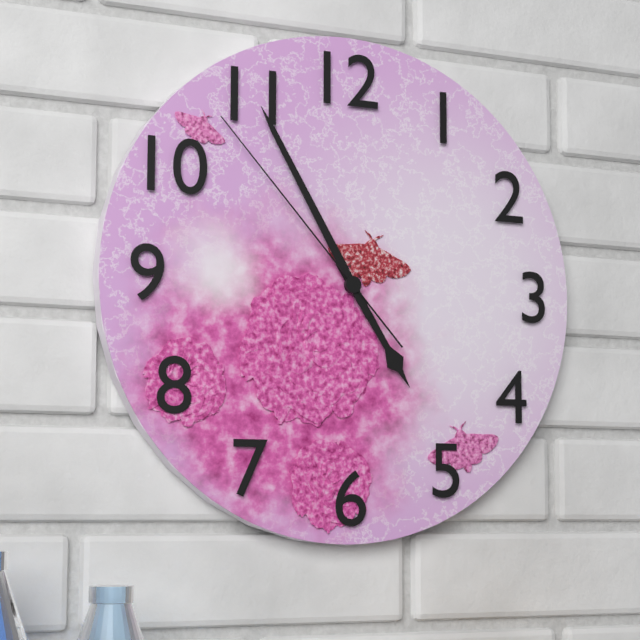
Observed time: **4:55:53**
